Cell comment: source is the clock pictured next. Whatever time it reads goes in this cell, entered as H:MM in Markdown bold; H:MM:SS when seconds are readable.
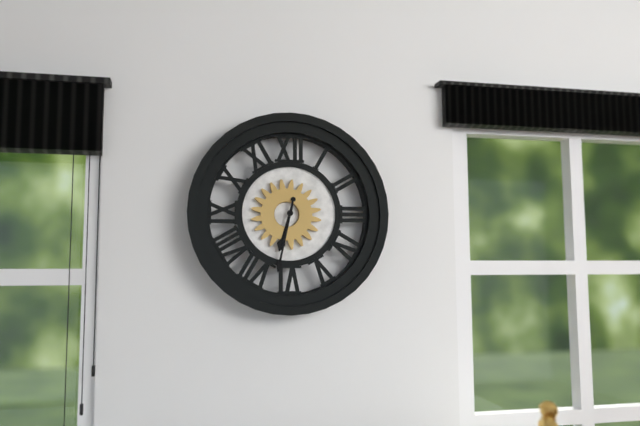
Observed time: **6:32**
